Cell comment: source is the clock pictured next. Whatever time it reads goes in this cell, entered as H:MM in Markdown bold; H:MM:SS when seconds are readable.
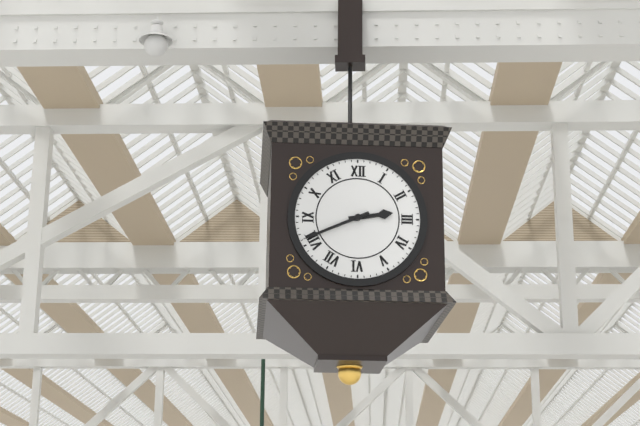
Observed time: **2:41**
